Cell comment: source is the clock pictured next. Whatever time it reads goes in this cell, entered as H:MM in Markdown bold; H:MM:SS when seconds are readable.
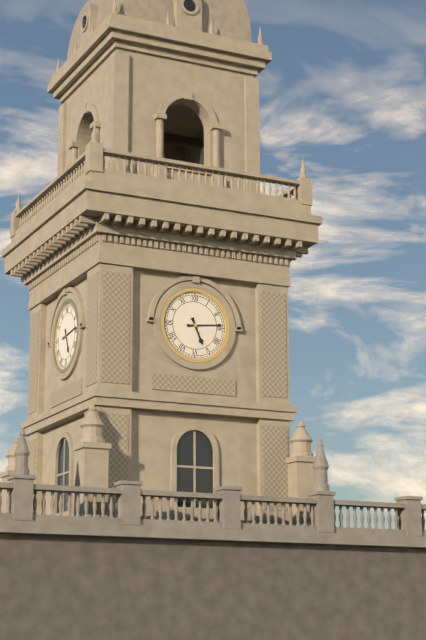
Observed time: **5:14**
